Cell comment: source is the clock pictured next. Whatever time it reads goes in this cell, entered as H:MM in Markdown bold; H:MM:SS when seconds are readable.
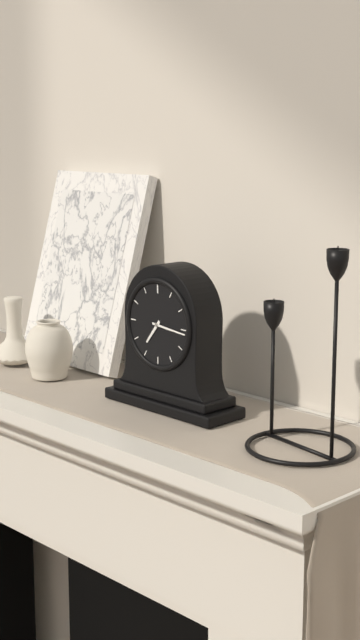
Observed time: **7:16**
